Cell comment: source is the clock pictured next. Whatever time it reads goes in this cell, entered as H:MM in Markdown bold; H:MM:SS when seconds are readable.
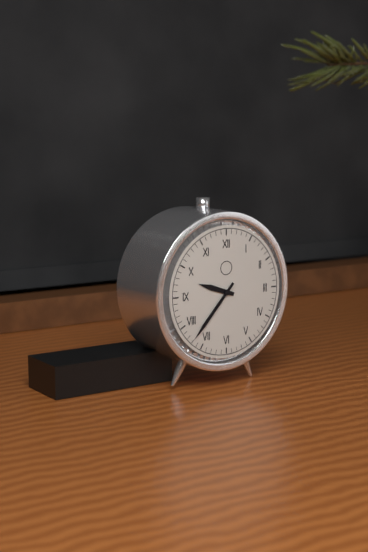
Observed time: **9:37**
